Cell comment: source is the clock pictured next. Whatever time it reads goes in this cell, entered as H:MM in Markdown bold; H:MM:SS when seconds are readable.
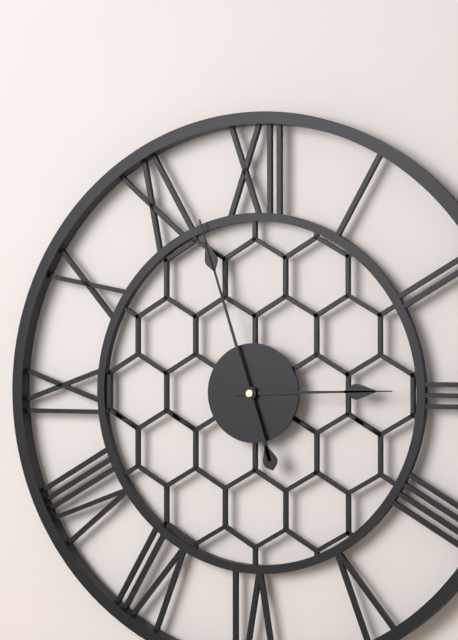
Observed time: **2:57**
